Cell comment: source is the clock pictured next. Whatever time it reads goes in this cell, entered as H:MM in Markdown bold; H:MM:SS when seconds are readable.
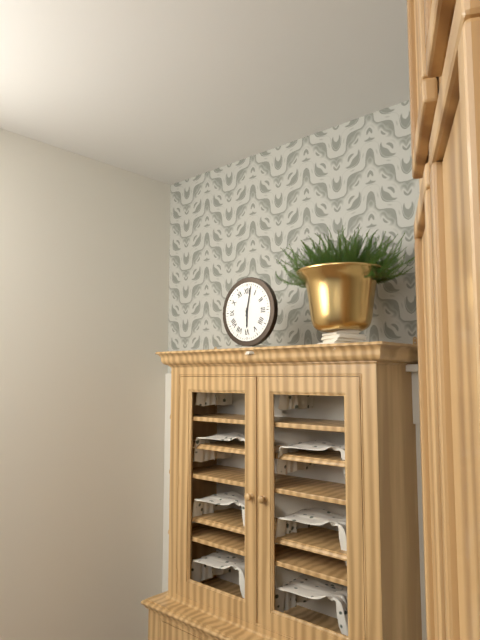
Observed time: **6:02**
